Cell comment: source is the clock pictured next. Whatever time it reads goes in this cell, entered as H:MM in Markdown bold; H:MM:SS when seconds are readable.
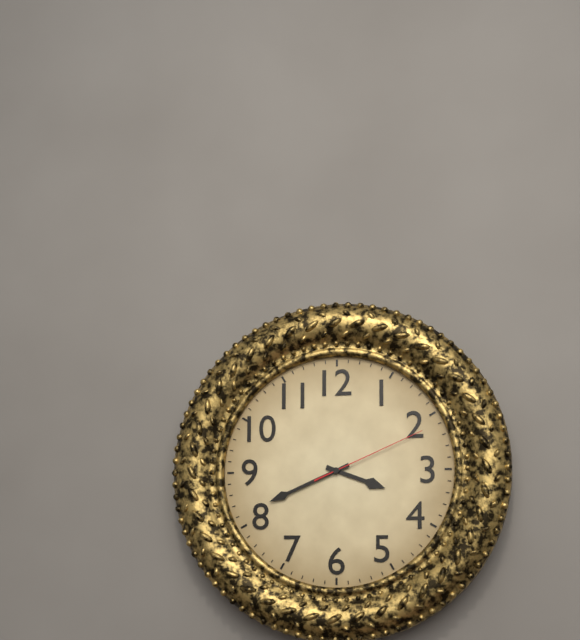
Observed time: **3:41:11**
